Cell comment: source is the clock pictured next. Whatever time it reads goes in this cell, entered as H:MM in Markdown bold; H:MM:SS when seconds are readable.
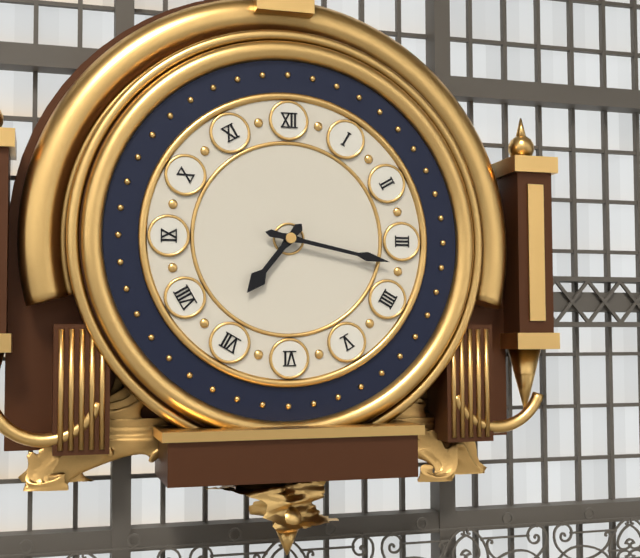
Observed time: **7:17**
